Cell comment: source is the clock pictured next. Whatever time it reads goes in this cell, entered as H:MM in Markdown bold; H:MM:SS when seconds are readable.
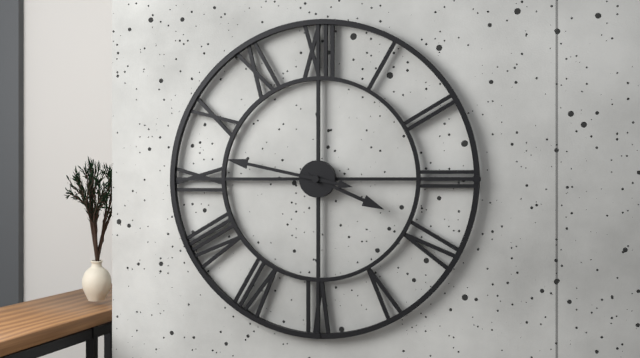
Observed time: **3:47**
